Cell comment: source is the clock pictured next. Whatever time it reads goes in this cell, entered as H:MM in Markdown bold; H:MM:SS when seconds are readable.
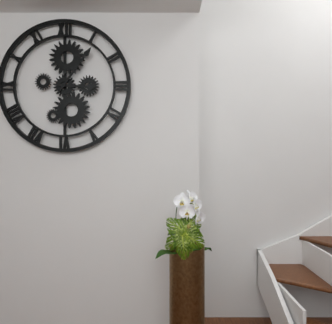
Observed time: **3:06**
